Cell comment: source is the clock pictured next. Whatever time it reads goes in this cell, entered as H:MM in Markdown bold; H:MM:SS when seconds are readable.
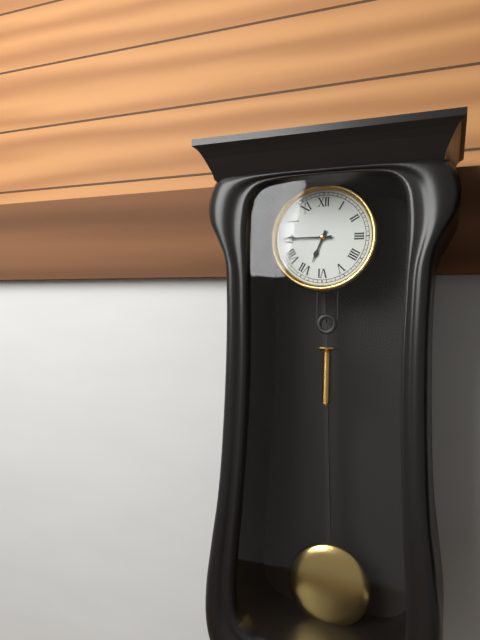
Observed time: **6:45**
